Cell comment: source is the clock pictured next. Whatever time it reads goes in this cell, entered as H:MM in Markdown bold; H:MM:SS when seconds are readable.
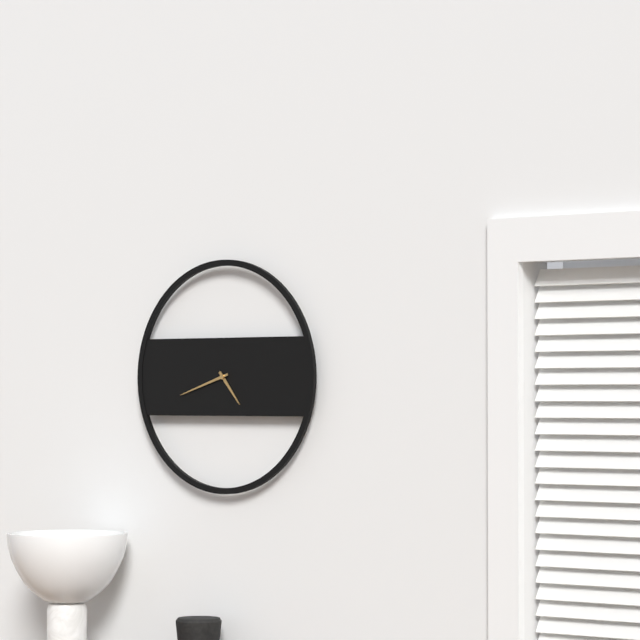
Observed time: **4:42**
